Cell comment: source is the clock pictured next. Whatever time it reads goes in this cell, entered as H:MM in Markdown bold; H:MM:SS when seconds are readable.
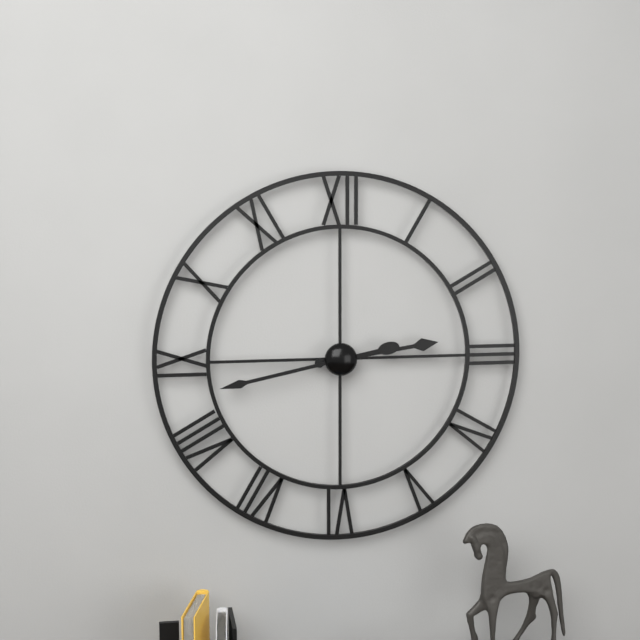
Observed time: **2:43**
